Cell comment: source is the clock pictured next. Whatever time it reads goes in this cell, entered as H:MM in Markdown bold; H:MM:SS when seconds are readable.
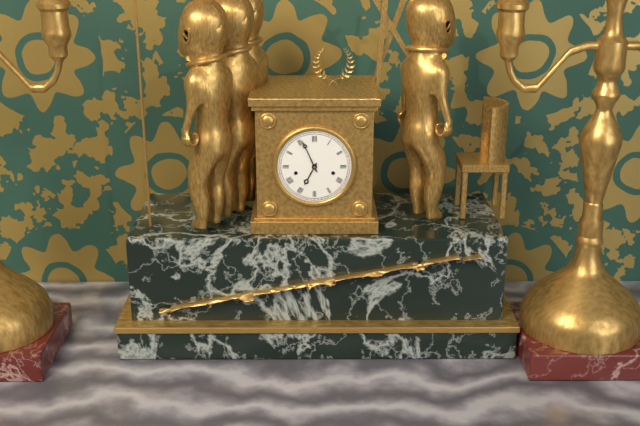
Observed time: **6:56**
